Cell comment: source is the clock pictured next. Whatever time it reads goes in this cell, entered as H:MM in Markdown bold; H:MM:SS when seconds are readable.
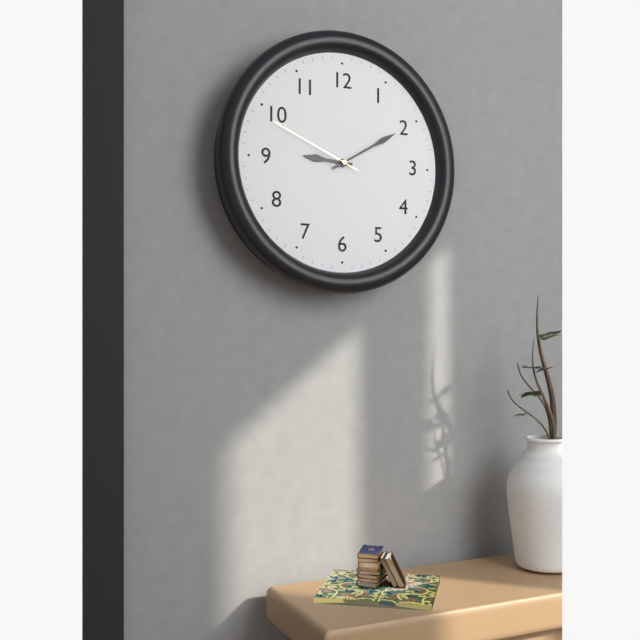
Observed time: **9:10:49**
